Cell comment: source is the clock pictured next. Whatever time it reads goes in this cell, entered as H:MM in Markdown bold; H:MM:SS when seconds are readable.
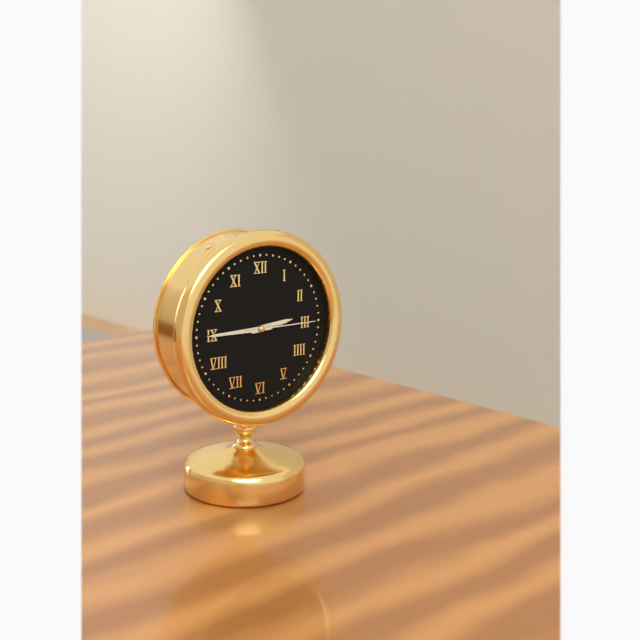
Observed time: **2:45:15**
